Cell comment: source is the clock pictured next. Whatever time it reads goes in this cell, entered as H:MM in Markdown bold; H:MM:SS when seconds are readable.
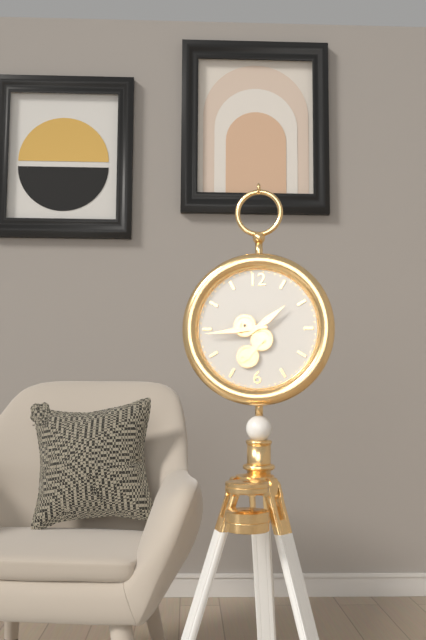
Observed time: **1:44**
